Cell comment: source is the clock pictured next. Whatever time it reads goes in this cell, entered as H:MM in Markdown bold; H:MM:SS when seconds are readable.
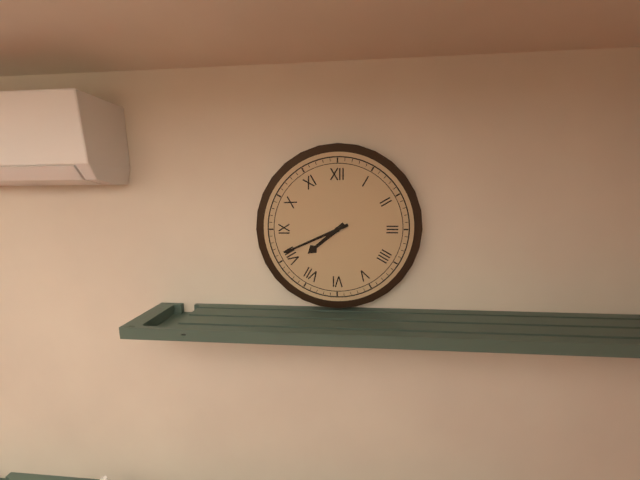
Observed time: **7:41**
